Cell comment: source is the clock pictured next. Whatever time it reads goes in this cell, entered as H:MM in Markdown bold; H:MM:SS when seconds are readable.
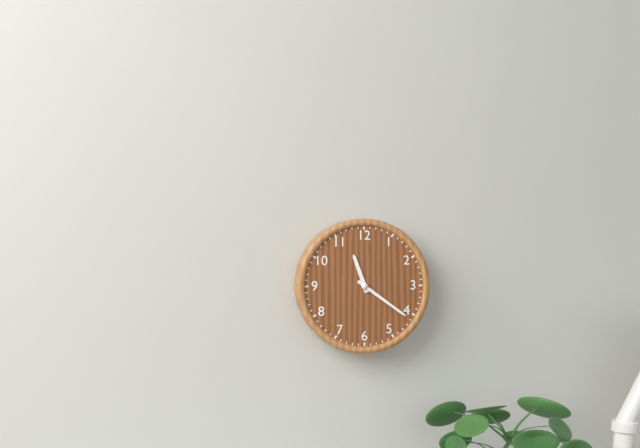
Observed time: **11:21**
